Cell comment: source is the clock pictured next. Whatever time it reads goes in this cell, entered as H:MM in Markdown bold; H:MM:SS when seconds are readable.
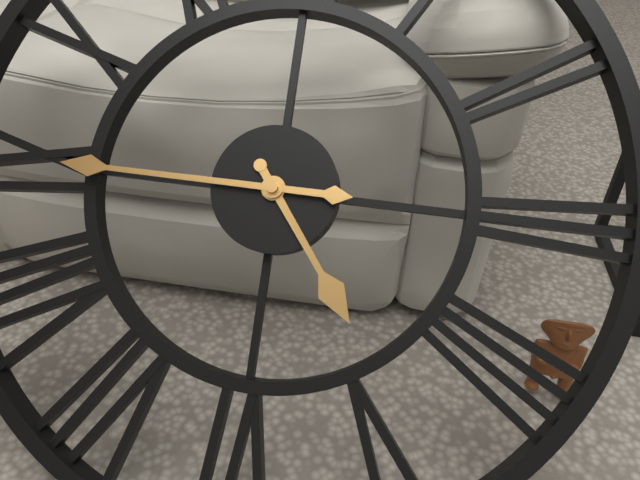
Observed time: **4:45**
